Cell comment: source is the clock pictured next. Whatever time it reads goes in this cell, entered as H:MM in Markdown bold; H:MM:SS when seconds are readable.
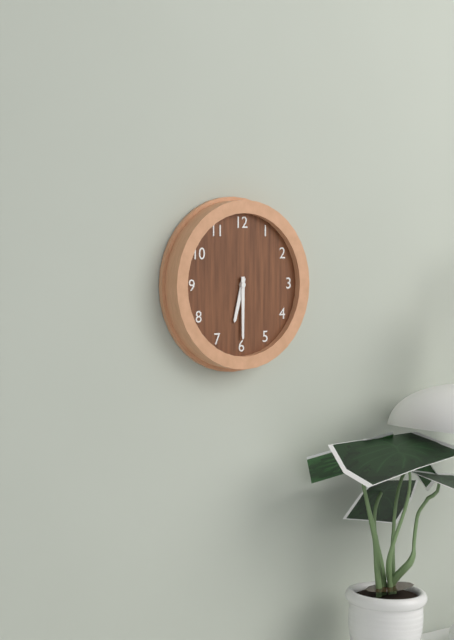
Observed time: **6:30**
